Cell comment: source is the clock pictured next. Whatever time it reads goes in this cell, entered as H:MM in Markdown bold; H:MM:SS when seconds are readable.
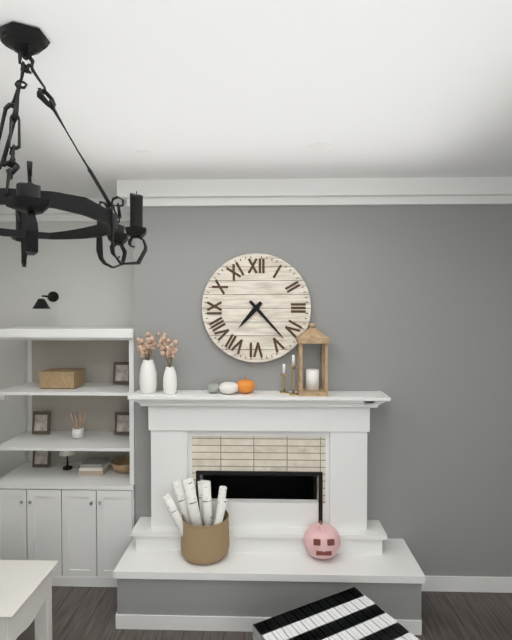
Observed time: **7:23**
